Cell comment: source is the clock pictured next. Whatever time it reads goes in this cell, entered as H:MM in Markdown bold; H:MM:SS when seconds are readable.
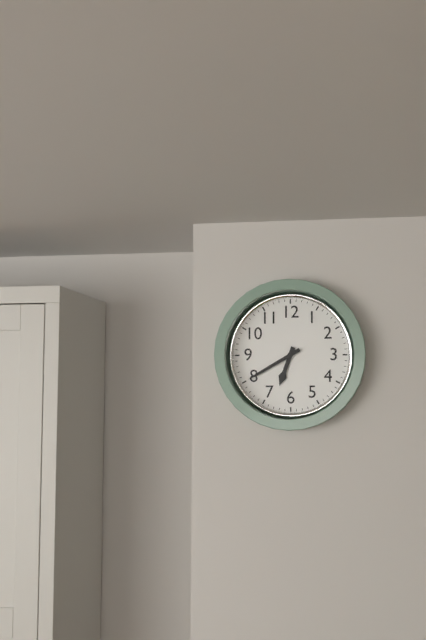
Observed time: **6:40**
